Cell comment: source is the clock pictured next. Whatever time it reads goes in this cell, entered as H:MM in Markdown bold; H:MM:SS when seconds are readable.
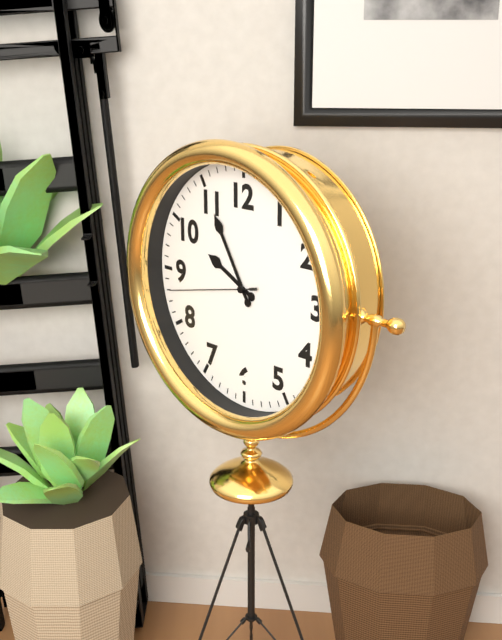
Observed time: **9:55:43**
